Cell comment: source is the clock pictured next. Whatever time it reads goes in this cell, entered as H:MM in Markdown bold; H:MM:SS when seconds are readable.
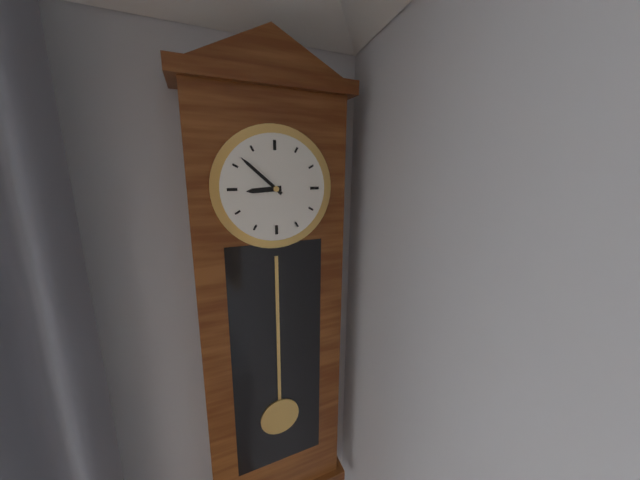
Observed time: **8:52**
